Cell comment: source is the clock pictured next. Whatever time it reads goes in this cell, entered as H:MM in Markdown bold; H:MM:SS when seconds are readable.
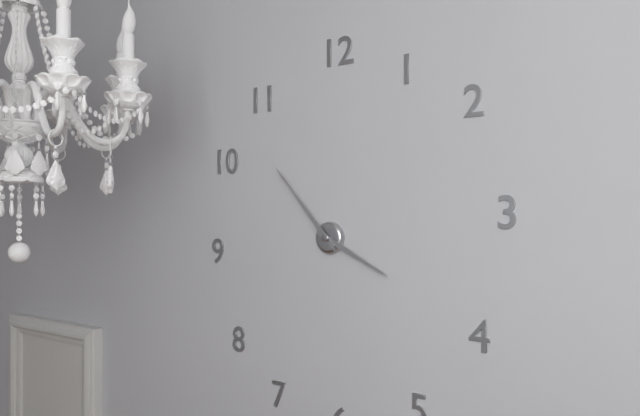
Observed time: **3:53**
